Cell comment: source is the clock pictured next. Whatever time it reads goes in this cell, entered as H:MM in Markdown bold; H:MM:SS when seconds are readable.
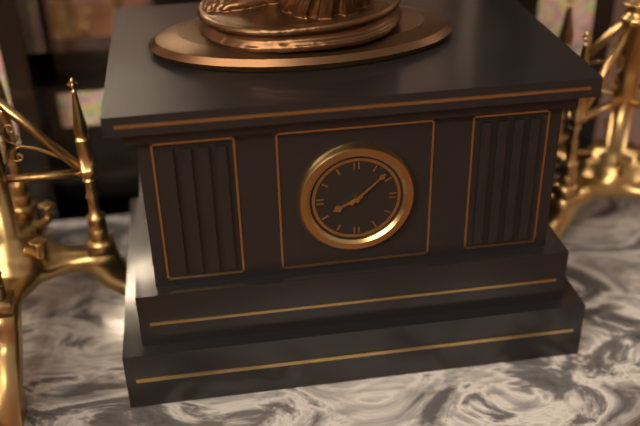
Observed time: **8:08**
